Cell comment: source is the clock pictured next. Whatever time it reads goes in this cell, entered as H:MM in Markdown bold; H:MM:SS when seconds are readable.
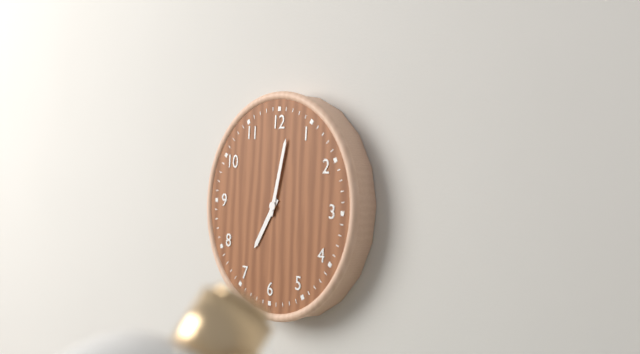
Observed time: **7:02**
